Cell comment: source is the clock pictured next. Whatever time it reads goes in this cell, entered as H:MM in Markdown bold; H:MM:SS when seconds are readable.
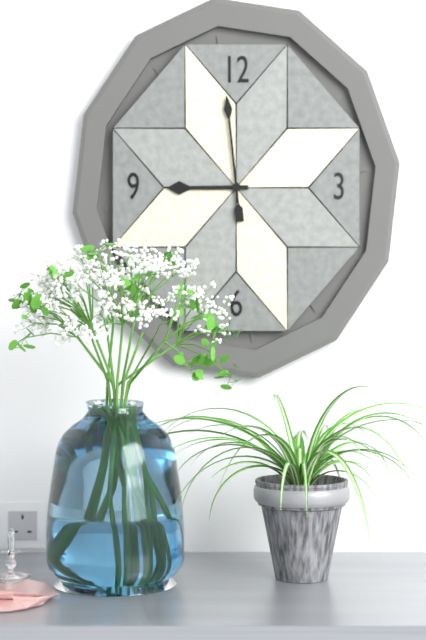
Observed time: **8:59**
